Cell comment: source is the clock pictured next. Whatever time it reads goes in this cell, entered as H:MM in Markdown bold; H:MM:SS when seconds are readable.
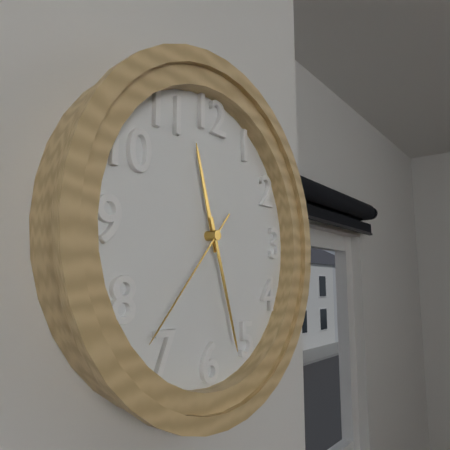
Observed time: **11:27:37**
